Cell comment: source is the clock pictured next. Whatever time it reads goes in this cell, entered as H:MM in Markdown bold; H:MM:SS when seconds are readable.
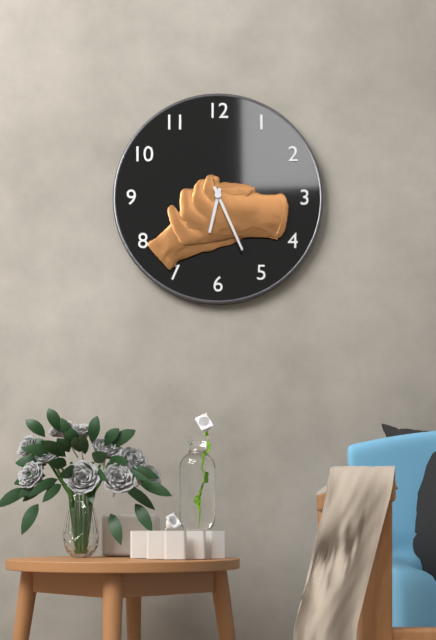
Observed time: **6:26**
